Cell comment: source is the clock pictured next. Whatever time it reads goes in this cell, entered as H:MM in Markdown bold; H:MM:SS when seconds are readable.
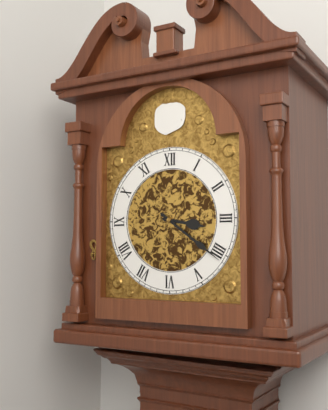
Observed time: **3:21**
